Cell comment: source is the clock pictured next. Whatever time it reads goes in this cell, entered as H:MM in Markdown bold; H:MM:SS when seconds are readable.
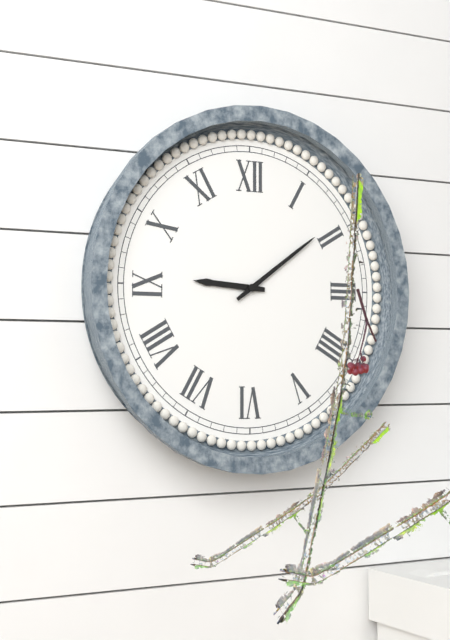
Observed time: **9:09**
